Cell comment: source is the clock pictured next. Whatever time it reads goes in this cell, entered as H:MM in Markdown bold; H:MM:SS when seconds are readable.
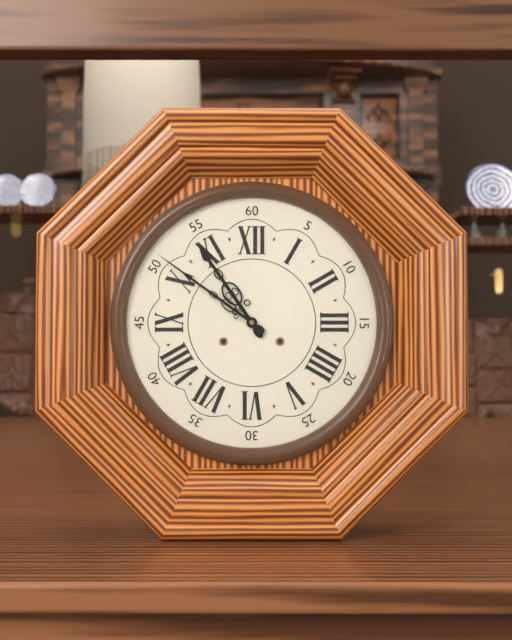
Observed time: **10:51**
